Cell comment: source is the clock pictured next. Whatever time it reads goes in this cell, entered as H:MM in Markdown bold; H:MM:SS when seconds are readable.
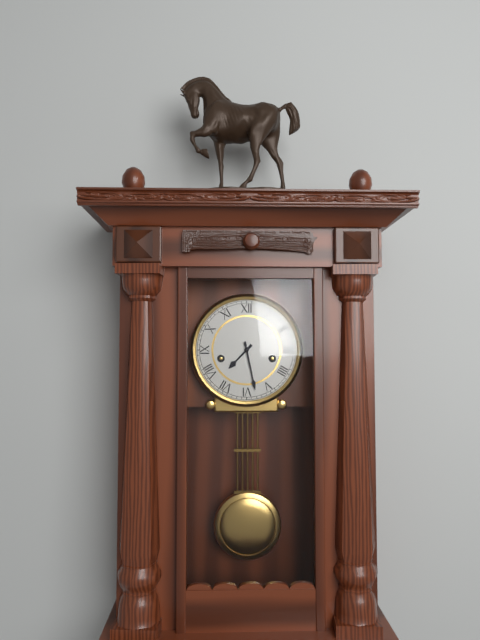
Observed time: **7:28**
